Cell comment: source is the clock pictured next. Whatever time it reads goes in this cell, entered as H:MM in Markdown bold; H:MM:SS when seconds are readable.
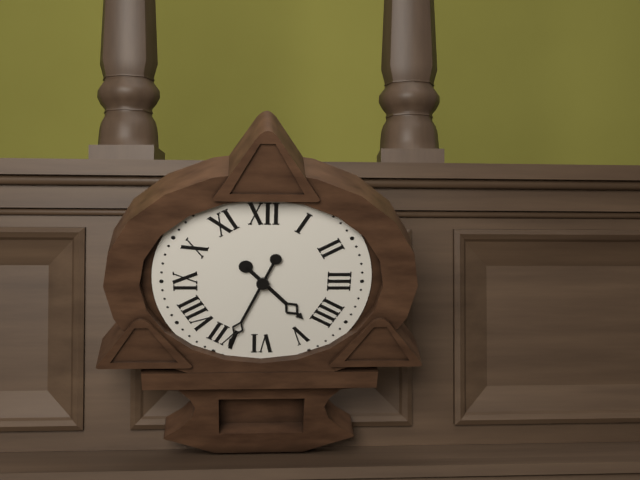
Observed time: **4:34**
